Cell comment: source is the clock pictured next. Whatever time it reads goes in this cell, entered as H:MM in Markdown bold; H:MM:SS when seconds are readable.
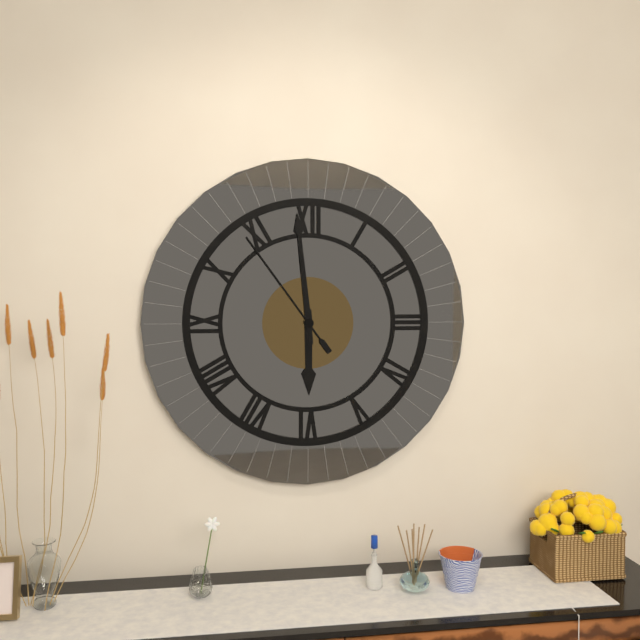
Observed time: **5:59:54**
